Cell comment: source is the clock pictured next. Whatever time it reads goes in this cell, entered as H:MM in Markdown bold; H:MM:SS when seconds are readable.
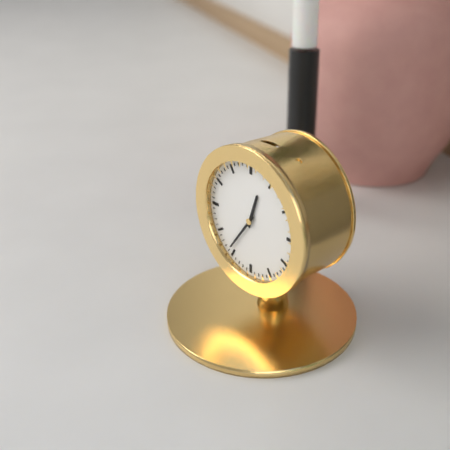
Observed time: **12:36**
